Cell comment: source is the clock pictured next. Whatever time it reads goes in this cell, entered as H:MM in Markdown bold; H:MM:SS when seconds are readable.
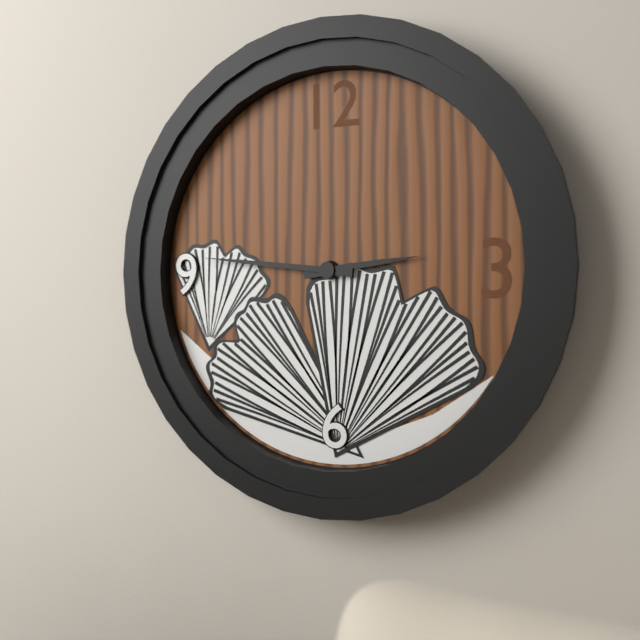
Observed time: **2:46**
